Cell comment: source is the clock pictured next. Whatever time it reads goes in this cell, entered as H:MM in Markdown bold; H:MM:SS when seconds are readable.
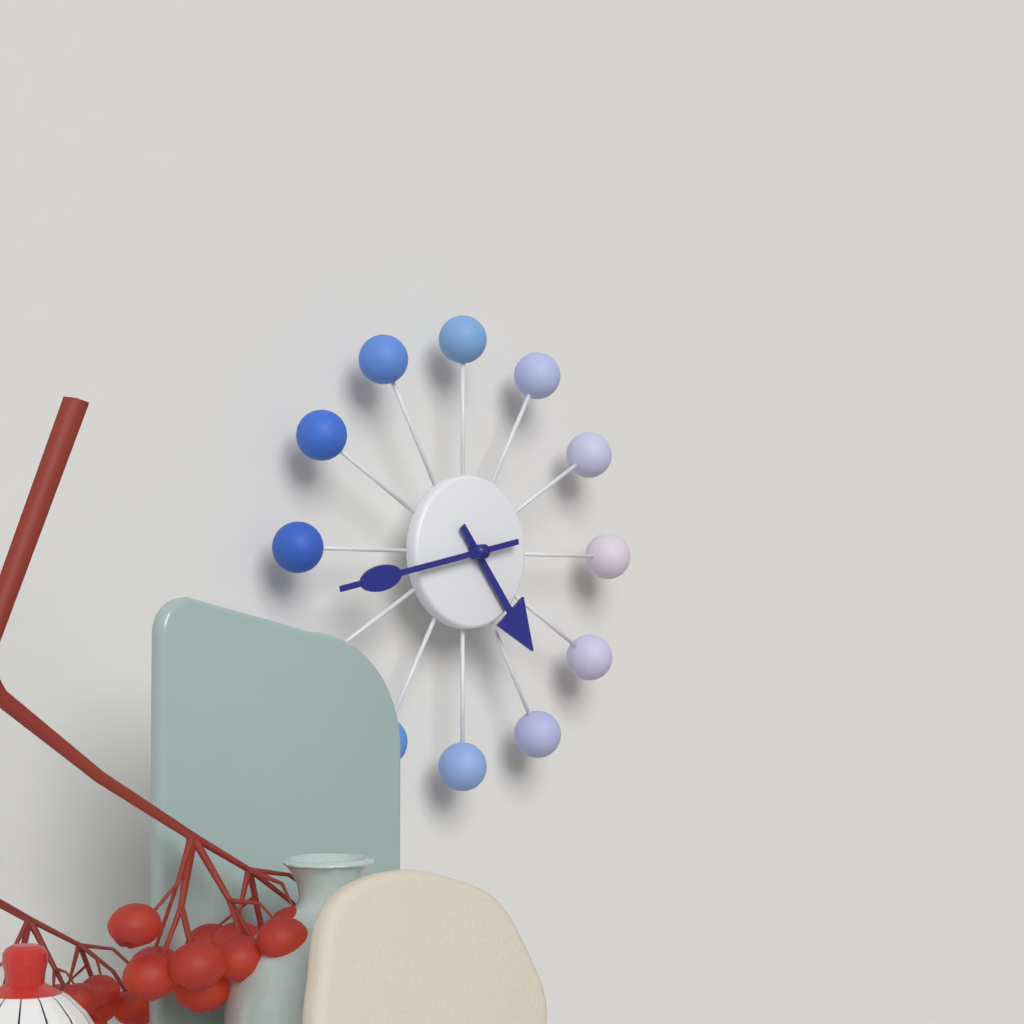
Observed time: **4:43**
